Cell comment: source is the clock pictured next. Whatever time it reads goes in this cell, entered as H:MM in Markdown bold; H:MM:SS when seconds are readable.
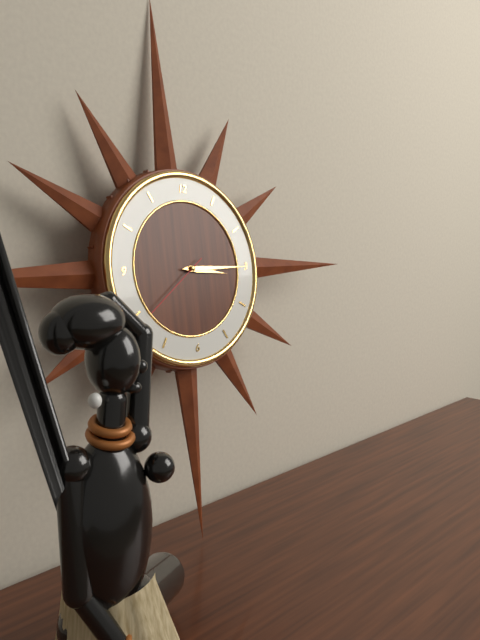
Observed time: **3:15:39**
